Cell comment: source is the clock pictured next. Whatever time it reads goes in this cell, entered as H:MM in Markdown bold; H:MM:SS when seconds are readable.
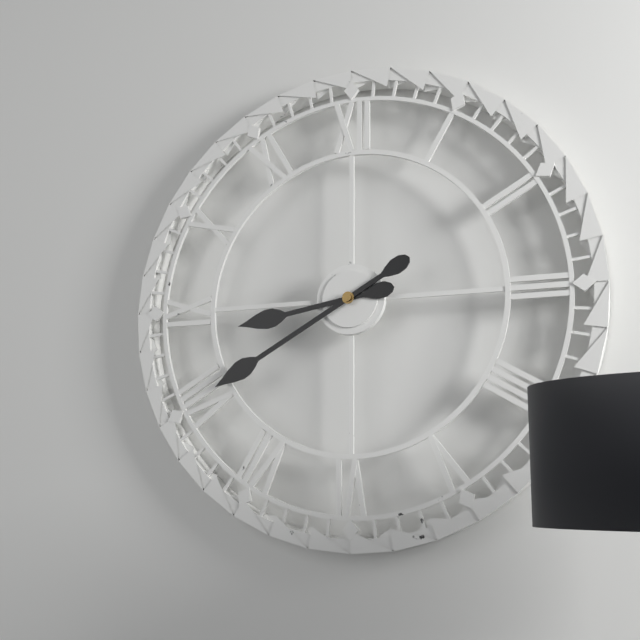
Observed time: **8:40**
